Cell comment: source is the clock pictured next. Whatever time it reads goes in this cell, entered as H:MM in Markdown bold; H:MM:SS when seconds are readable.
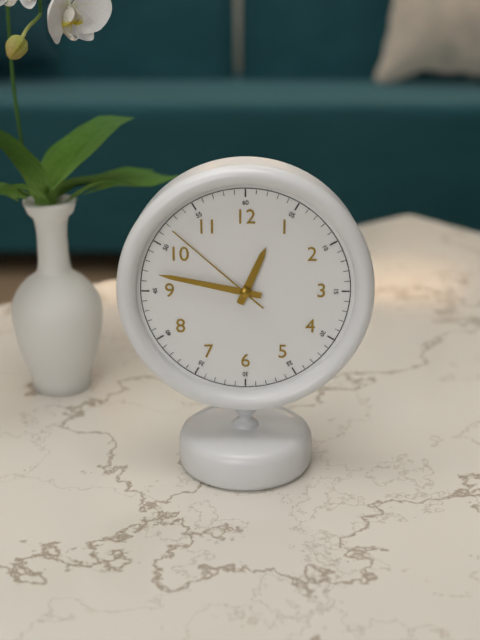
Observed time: **12:47:52**
